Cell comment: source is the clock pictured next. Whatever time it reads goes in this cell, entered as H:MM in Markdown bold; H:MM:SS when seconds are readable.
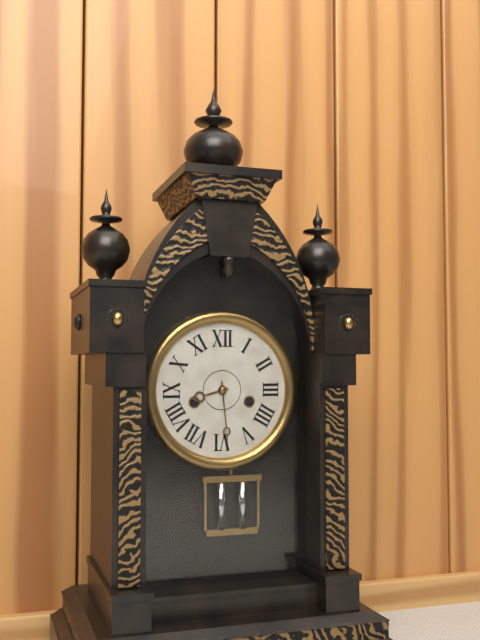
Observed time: **8:29**
